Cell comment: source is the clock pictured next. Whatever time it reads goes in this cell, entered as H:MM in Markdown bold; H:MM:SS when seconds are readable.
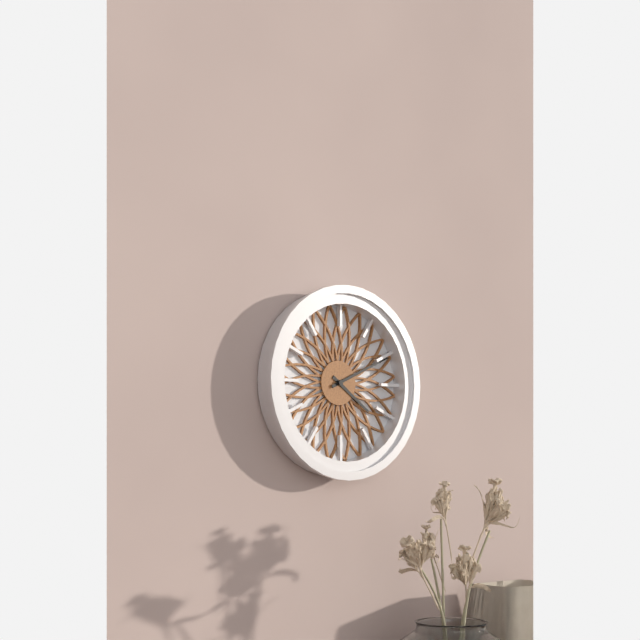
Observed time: **4:11**
